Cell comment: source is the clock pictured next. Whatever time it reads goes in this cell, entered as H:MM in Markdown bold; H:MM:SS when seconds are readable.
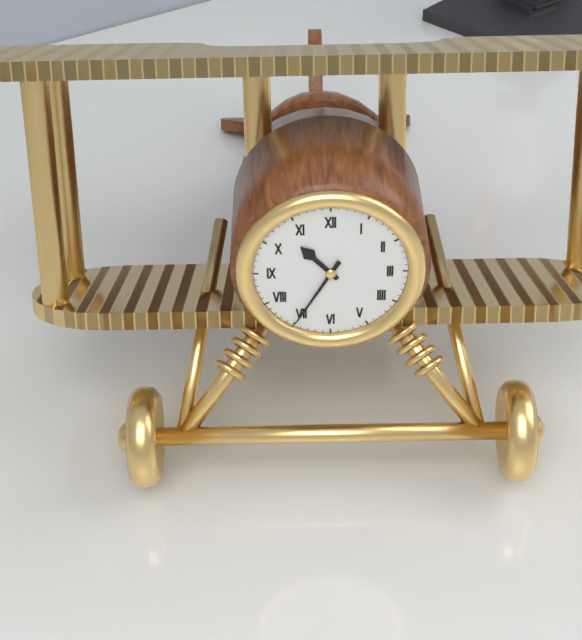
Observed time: **10:35**
